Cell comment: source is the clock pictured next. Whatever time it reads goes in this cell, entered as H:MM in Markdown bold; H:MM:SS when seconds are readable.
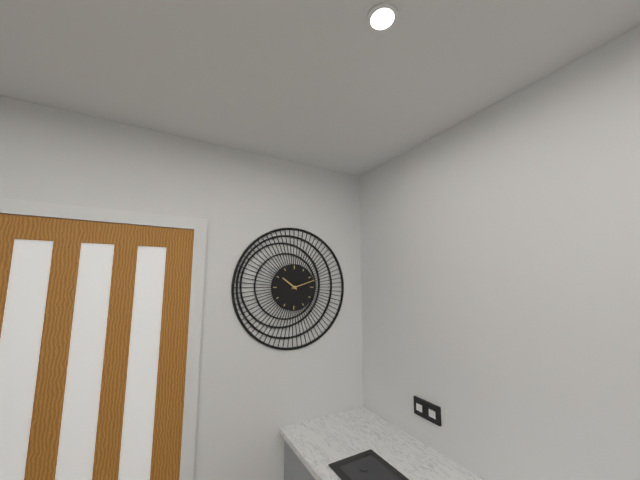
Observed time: **10:12**
